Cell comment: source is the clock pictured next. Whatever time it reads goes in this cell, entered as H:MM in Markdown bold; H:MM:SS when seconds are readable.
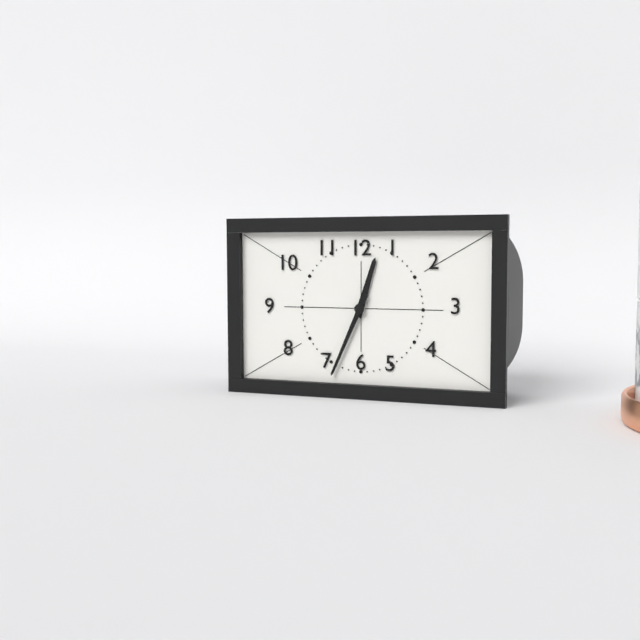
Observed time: **12:34**
